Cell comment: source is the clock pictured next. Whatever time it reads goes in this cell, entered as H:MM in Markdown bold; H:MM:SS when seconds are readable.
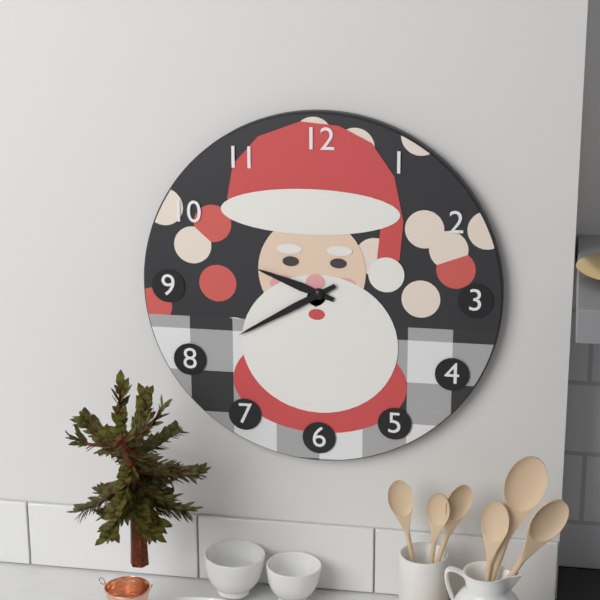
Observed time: **9:40**
